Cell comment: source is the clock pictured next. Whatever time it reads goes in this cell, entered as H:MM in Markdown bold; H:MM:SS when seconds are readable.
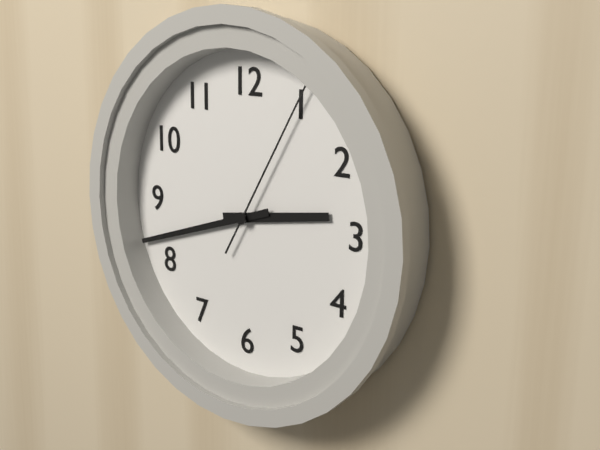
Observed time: **2:42:05**
